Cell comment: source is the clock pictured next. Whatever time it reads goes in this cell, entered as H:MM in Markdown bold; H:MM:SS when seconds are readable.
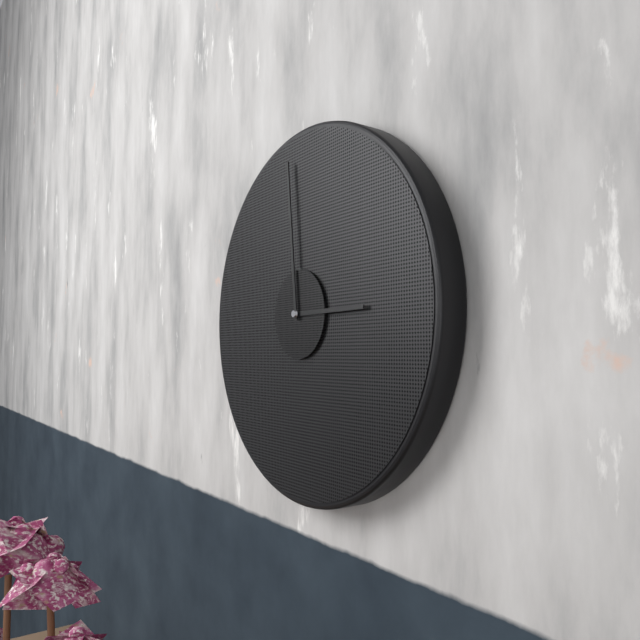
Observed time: **2:59**
